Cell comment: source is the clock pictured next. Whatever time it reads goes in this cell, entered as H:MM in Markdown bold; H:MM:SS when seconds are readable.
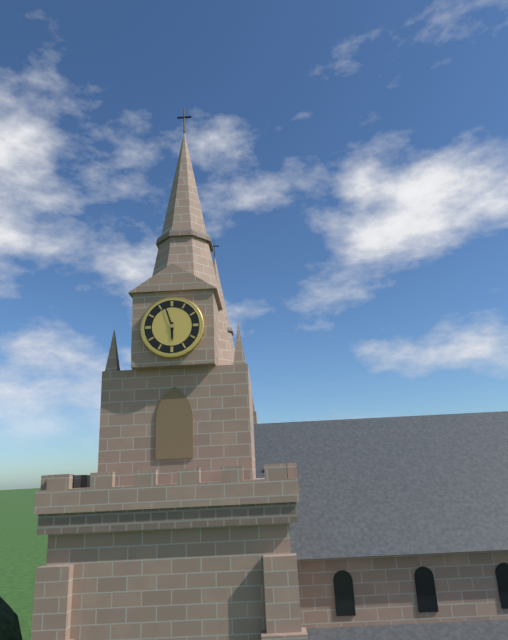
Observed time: **5:57**
